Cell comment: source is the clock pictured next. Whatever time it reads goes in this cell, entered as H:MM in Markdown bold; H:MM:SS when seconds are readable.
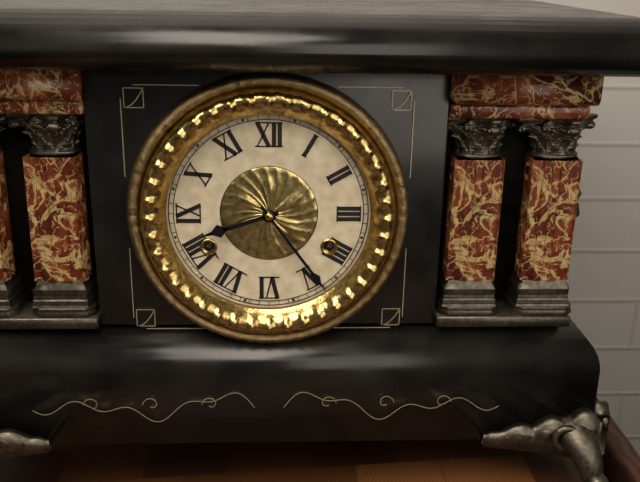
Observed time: **8:24**
